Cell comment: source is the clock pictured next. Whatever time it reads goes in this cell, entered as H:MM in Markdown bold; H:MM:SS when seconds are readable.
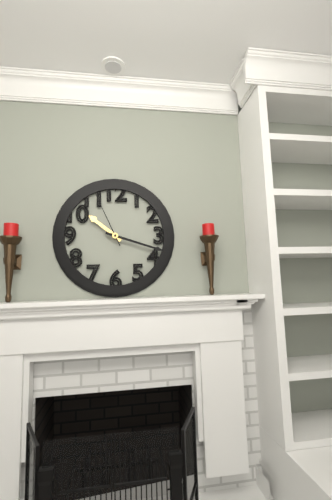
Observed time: **10:18:56**
